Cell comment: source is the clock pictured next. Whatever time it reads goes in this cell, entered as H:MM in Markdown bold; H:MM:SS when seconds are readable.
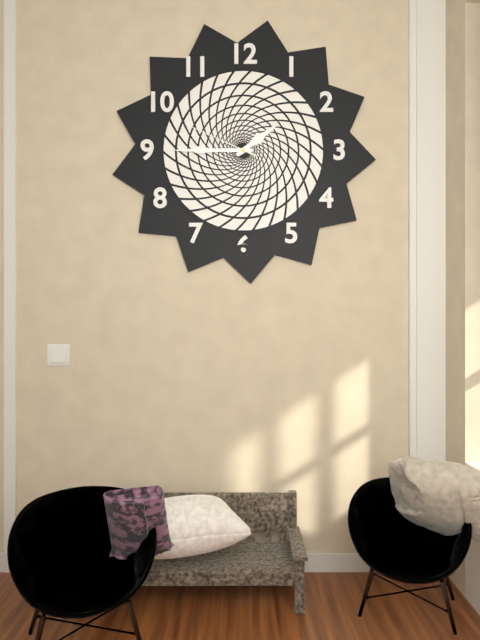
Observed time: **1:45:49**
